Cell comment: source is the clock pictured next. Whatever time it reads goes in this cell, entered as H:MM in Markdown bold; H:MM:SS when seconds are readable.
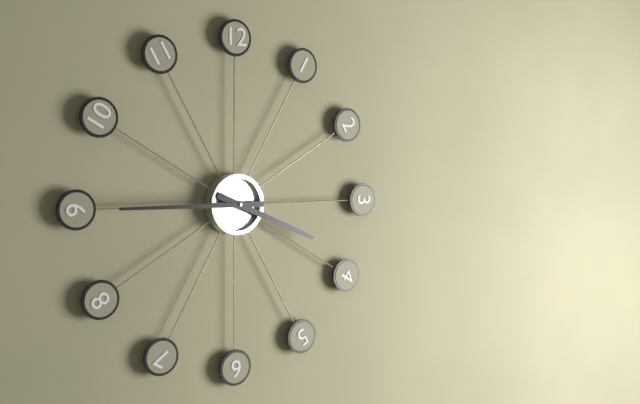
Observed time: **3:45**
